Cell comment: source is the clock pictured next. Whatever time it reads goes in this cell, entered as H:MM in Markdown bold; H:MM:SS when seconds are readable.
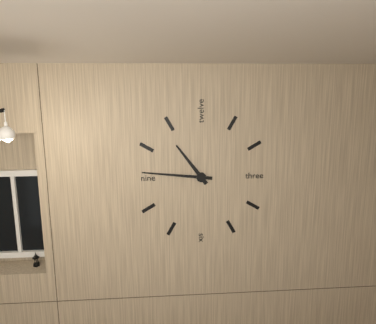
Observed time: **10:46**
